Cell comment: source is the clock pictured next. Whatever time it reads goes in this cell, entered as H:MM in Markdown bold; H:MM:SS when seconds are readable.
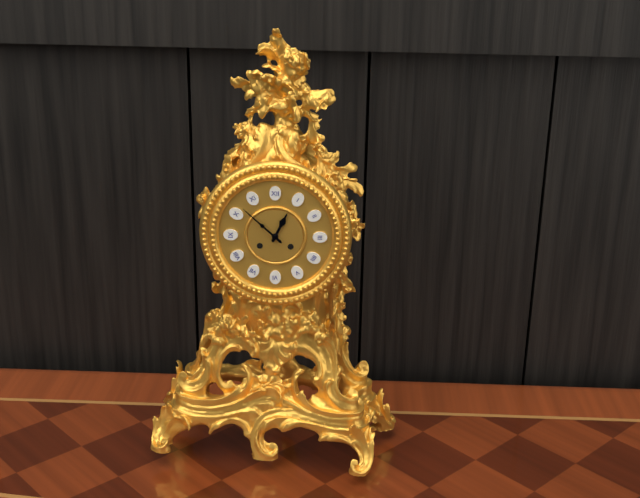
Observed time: **12:52**
